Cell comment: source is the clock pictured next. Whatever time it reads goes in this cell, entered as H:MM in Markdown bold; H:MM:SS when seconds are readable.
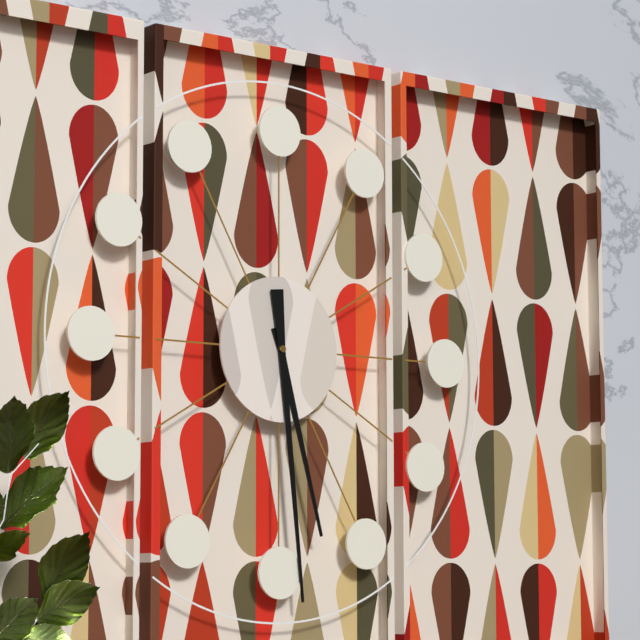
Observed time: **5:29**
